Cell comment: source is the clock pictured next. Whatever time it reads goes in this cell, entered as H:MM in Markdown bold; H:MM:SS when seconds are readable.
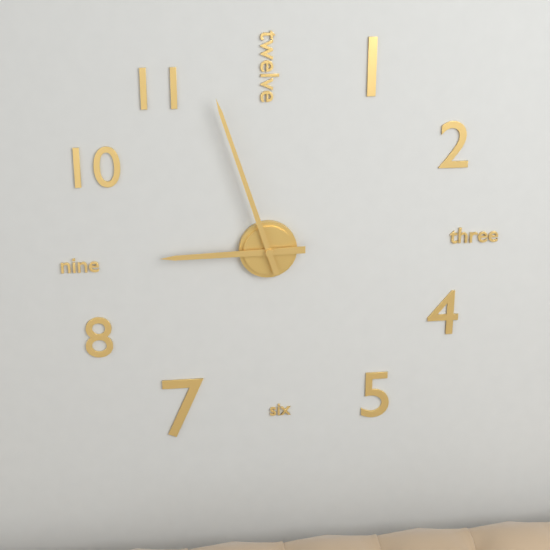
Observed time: **8:57**
